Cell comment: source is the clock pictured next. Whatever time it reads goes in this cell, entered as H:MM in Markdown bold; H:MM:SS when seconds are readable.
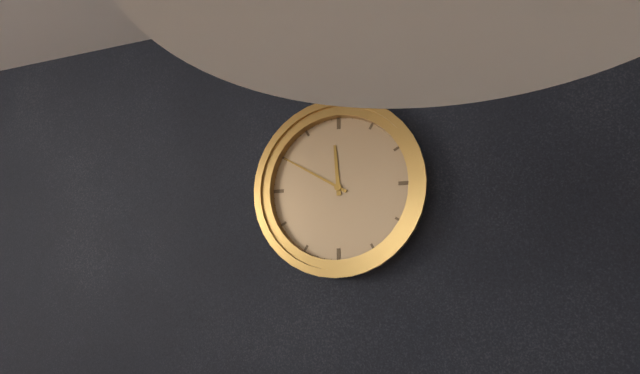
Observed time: **11:50**
